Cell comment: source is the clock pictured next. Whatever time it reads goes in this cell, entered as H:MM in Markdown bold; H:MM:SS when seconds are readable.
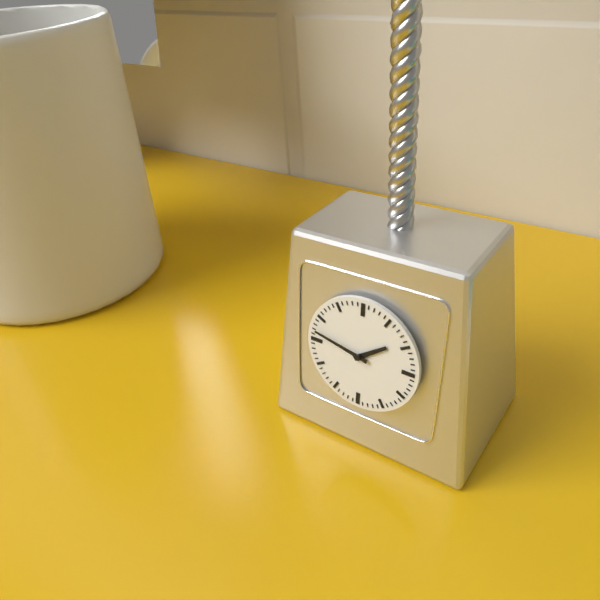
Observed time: **1:47**
